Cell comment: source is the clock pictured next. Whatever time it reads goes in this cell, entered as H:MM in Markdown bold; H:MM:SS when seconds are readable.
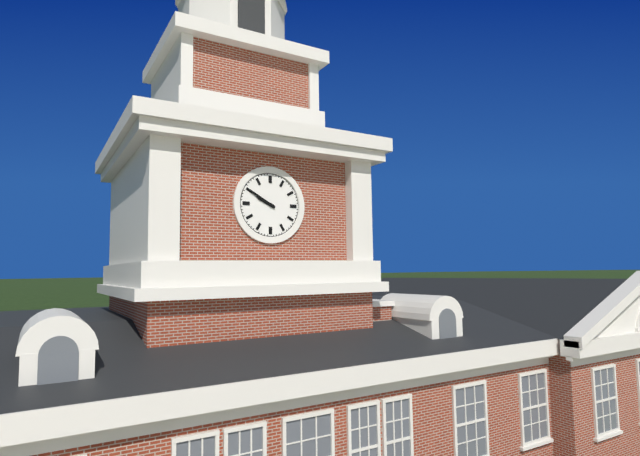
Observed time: **9:50**
